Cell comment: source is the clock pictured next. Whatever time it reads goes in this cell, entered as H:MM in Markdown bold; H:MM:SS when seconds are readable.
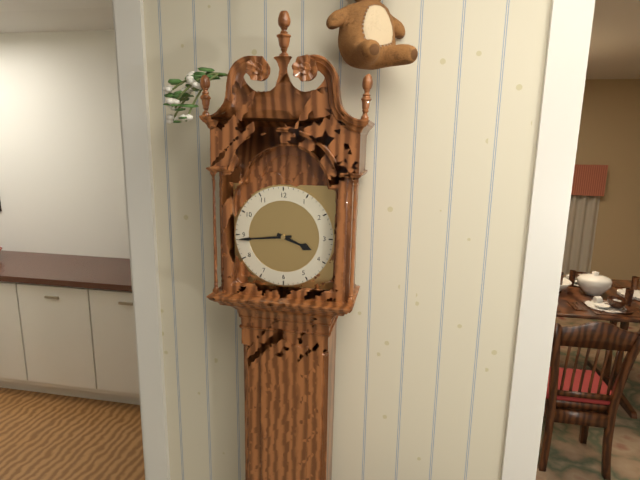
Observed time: **3:44**
